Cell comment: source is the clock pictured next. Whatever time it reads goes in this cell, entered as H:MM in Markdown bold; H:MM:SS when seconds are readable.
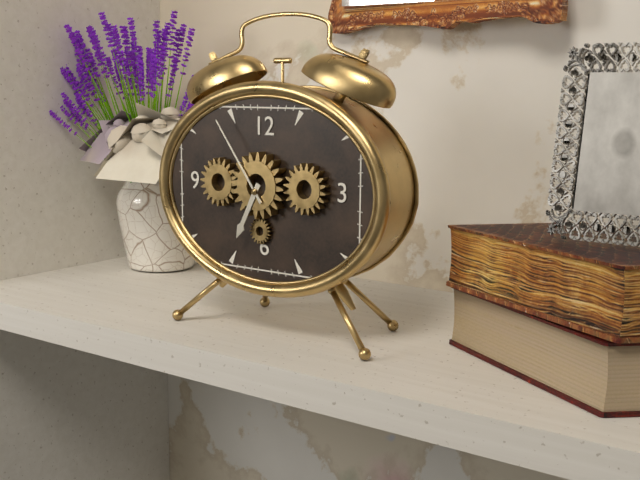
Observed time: **6:54**
